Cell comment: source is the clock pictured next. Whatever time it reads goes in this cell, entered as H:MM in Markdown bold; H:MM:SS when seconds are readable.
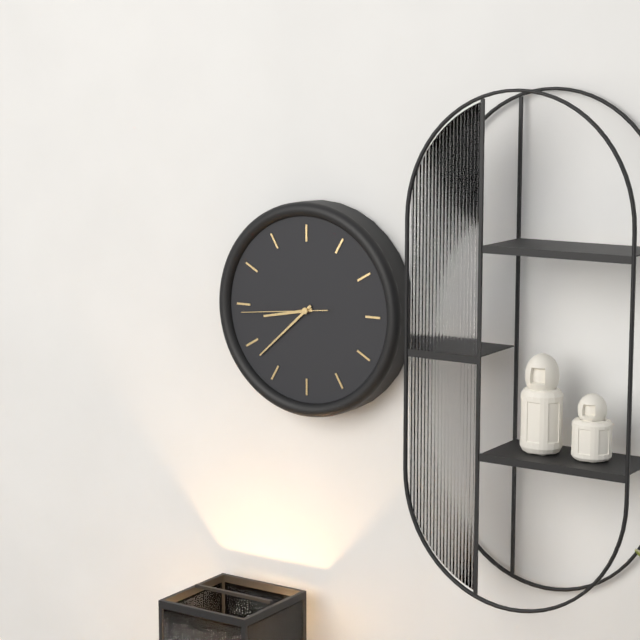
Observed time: **8:38:44**
